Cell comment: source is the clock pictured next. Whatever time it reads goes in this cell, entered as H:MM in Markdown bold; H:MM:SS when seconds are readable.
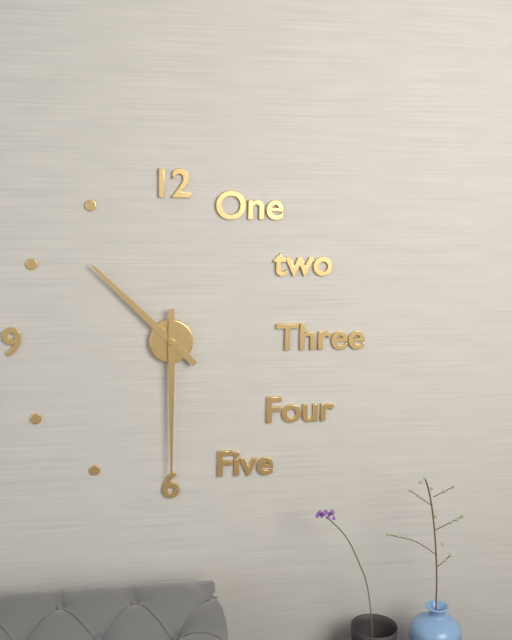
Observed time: **10:30**
